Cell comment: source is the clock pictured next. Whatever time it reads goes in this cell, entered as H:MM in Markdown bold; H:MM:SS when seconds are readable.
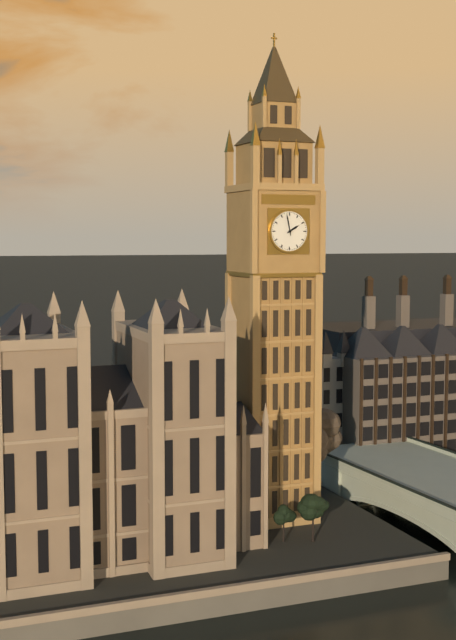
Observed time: **1:58**
